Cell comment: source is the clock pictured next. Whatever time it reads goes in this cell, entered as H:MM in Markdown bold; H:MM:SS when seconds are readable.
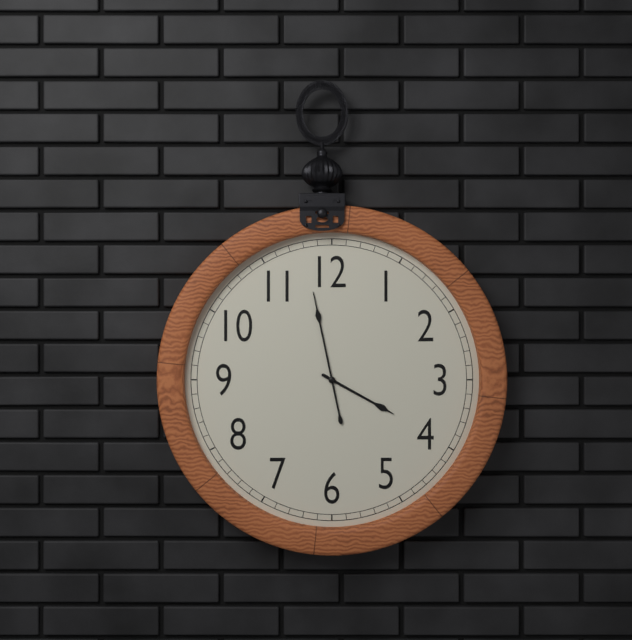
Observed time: **3:58**
